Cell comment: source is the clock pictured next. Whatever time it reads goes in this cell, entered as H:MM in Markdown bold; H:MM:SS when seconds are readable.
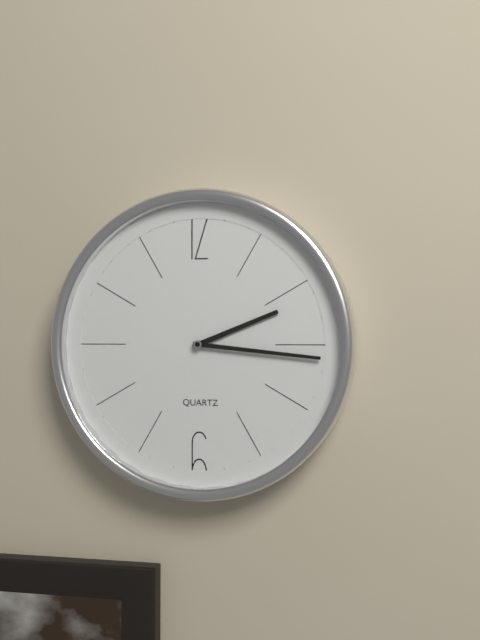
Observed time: **2:16**
